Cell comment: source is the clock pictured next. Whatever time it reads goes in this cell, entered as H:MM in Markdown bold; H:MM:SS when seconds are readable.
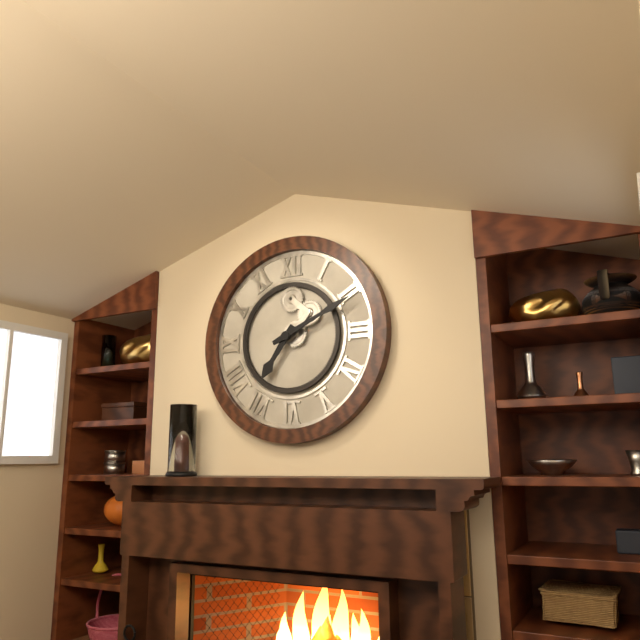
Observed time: **7:11**
